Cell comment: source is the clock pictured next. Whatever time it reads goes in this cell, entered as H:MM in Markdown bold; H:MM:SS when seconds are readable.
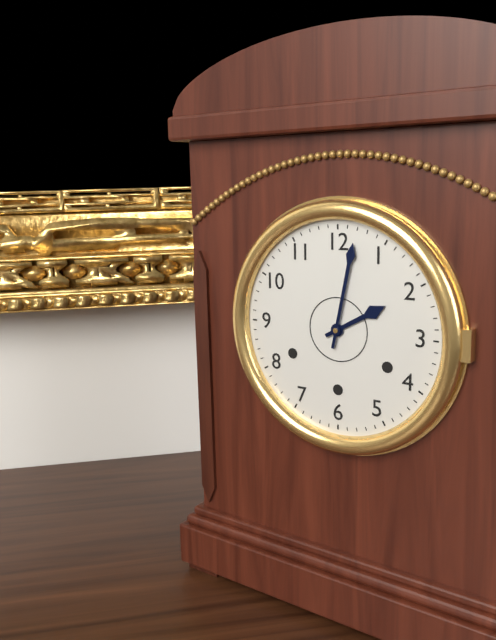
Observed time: **2:02**
